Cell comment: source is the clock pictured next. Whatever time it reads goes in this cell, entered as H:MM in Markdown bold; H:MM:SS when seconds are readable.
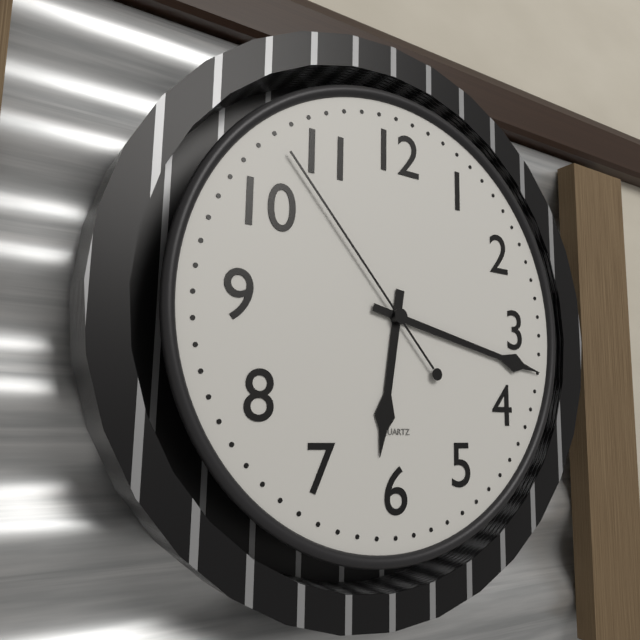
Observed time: **6:17:53**
